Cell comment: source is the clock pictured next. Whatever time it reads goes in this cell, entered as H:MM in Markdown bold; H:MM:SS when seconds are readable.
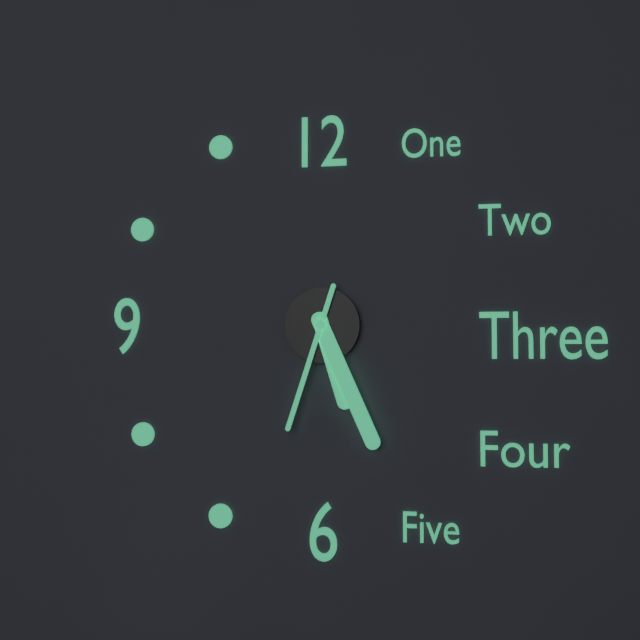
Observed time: **5:26:33**
